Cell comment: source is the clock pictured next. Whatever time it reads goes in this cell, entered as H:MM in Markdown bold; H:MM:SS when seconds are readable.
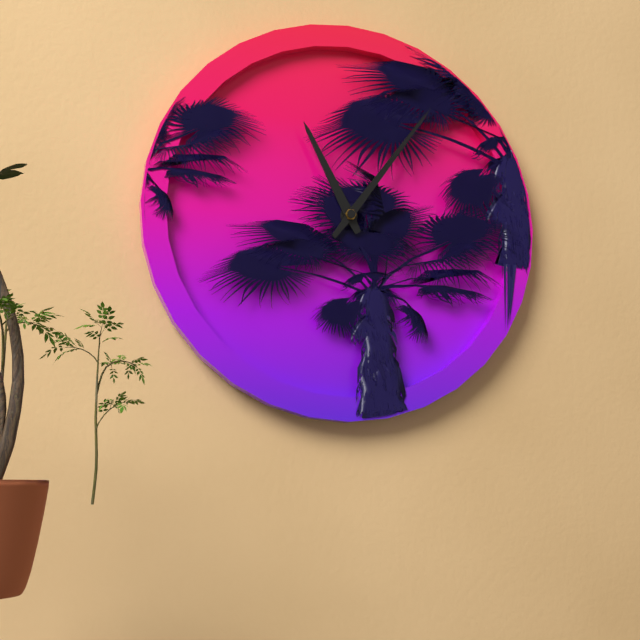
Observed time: **11:06**
